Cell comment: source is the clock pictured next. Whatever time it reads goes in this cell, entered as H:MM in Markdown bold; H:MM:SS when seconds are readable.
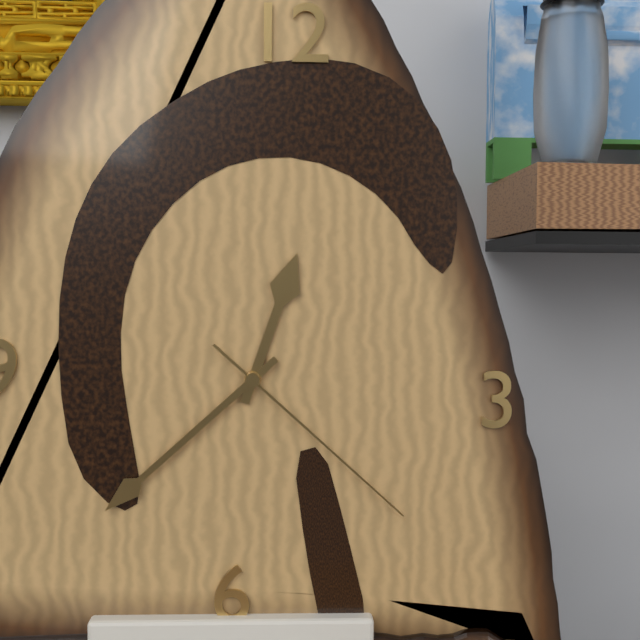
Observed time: **12:38:22**
